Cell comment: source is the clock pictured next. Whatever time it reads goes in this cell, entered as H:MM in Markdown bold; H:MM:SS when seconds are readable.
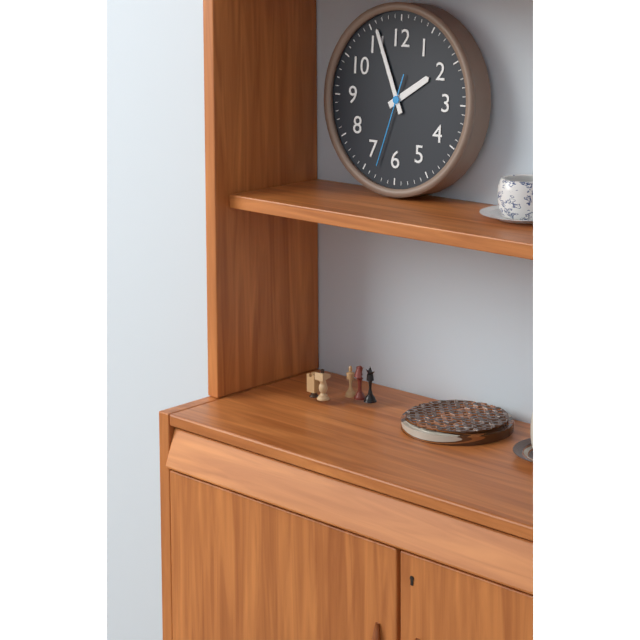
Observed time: **1:56:33**
